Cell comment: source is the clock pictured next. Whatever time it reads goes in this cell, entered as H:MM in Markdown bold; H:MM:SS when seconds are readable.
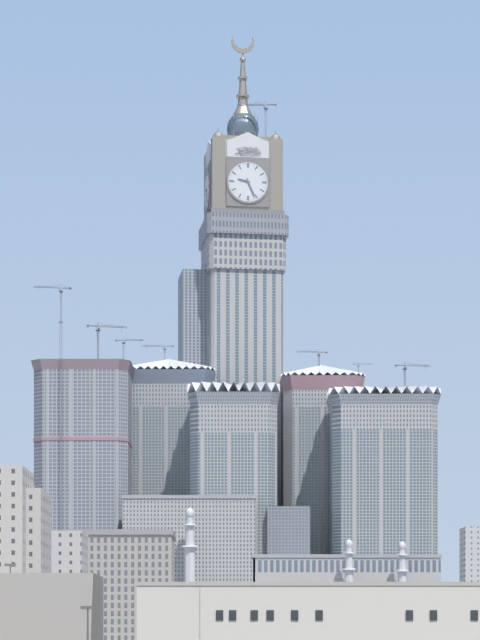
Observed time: **9:26**
